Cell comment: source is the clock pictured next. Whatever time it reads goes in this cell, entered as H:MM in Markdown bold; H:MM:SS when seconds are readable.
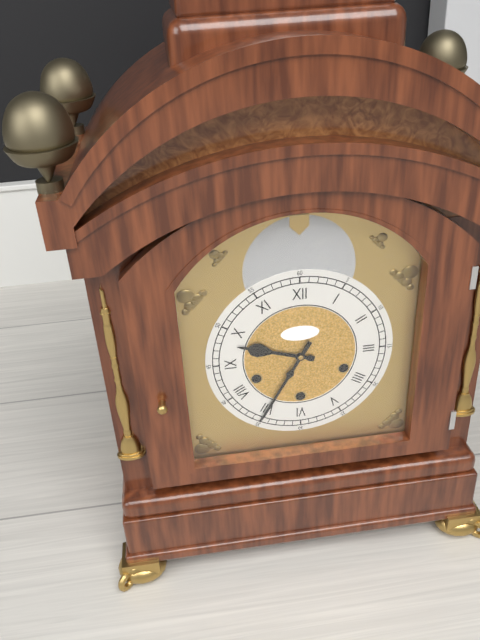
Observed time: **9:35**
